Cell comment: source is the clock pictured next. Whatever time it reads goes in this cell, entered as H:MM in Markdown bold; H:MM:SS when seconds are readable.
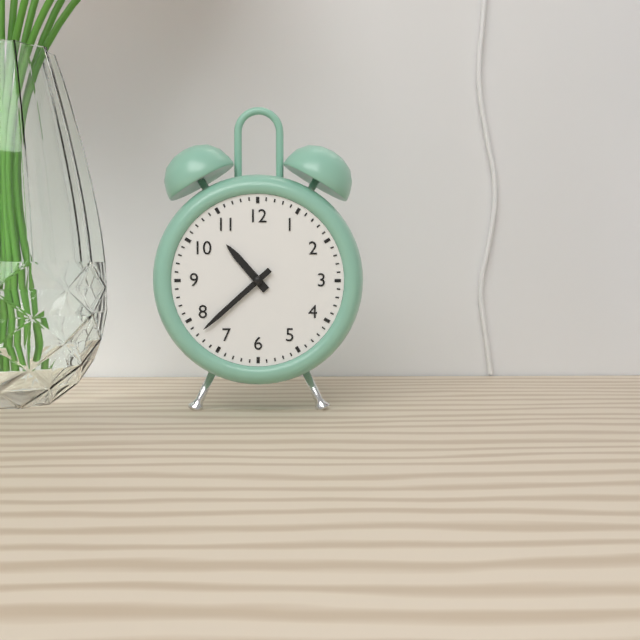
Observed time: **10:38**
